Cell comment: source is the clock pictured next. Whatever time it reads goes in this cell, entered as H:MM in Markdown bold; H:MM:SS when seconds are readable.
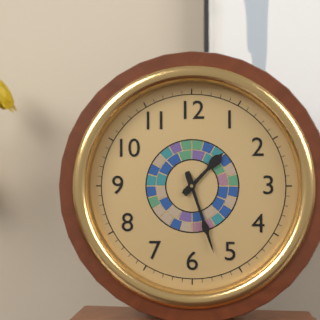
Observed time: **1:27**
